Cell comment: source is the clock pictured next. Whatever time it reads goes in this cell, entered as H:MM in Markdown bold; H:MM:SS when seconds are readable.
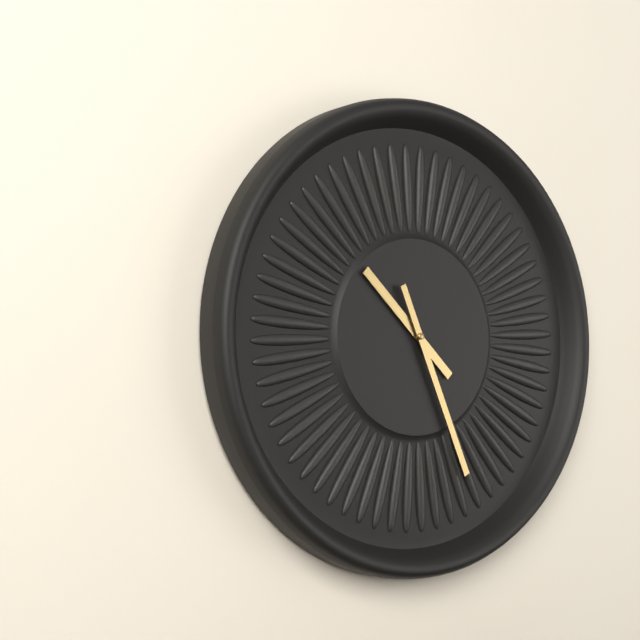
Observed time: **10:26**
